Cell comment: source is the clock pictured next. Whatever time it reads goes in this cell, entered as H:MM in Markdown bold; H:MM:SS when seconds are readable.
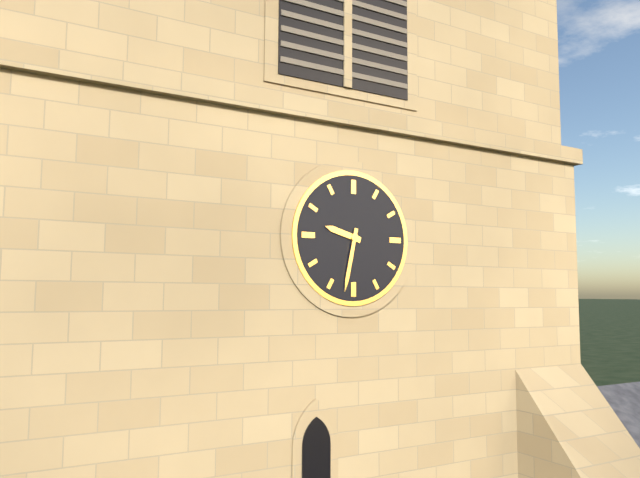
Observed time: **9:32**
